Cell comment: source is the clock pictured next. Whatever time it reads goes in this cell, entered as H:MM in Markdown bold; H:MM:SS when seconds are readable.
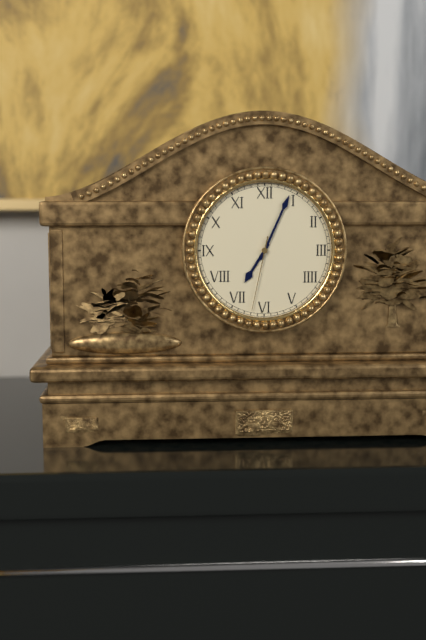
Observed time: **7:04:32**
